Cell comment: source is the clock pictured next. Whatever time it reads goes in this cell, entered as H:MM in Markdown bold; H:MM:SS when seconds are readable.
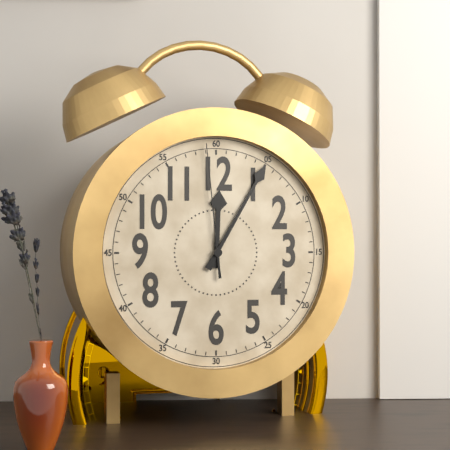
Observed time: **12:05:59**
